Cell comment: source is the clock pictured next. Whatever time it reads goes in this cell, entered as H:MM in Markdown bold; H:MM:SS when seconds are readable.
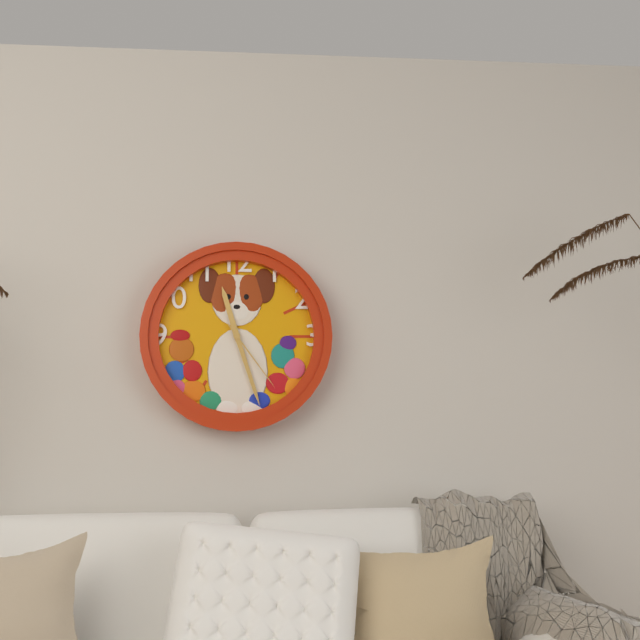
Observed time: **11:27:24**
